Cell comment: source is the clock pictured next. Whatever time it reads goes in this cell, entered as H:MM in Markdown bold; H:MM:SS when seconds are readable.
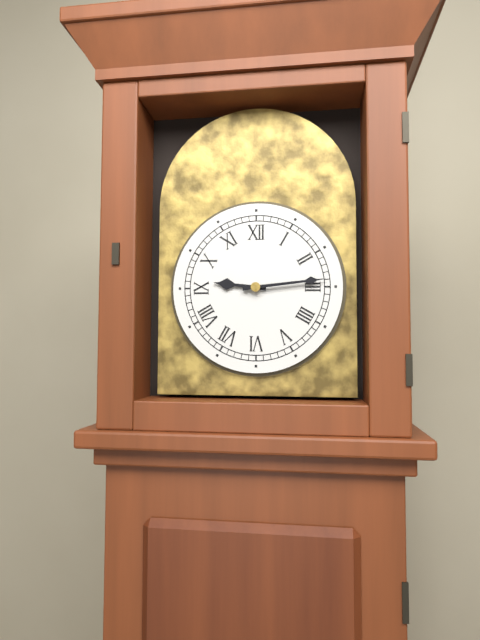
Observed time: **9:14**
